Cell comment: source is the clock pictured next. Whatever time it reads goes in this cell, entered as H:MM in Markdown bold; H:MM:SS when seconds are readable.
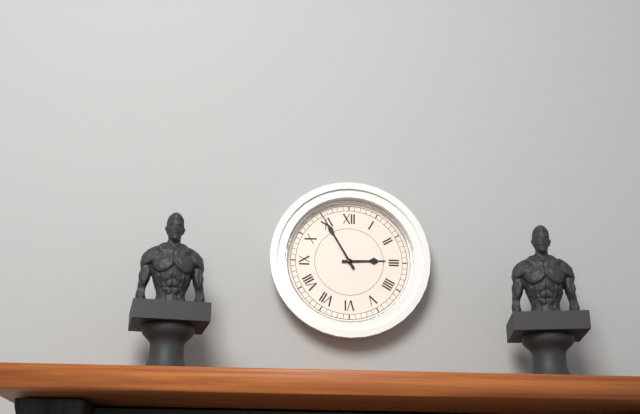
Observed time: **2:55**
